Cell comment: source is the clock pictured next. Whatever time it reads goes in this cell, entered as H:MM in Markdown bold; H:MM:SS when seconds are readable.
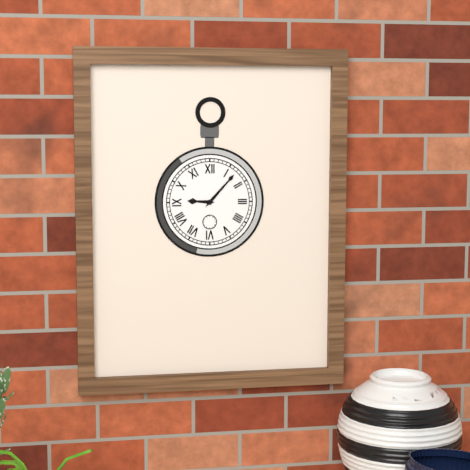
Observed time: **9:07**
